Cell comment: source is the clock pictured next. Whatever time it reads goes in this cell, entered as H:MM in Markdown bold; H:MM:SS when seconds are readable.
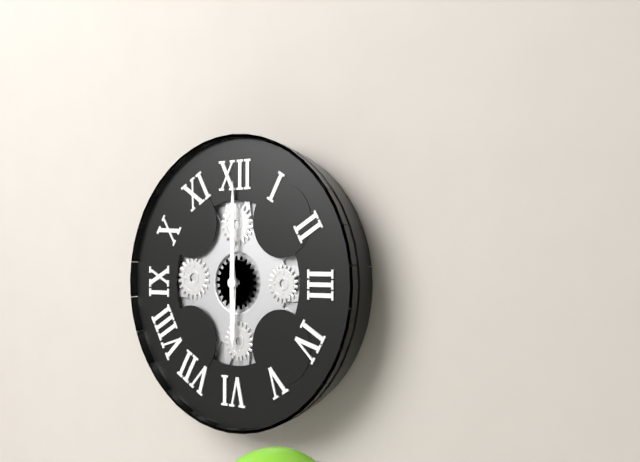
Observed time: **6:00**
